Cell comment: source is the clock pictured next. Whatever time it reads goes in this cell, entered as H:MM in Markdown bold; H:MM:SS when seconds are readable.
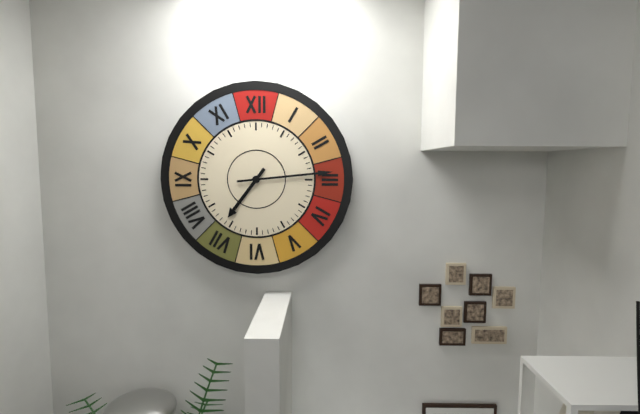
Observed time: **7:14**
